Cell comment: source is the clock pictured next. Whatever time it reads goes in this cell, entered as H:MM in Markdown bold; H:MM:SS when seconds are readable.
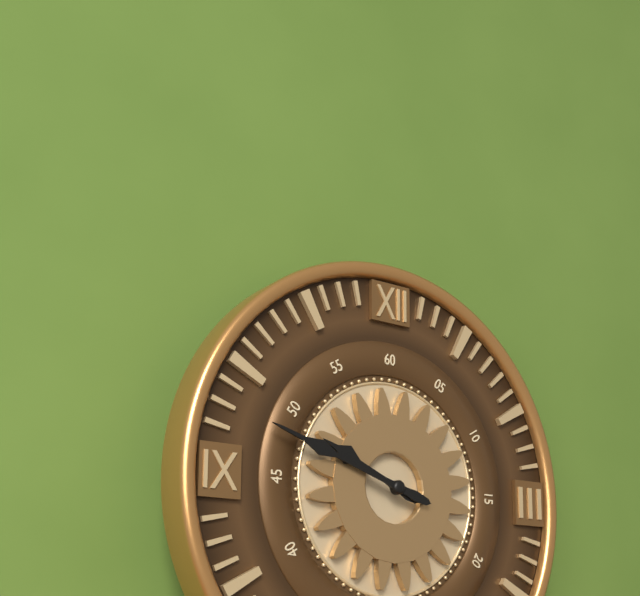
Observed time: **9:48**
